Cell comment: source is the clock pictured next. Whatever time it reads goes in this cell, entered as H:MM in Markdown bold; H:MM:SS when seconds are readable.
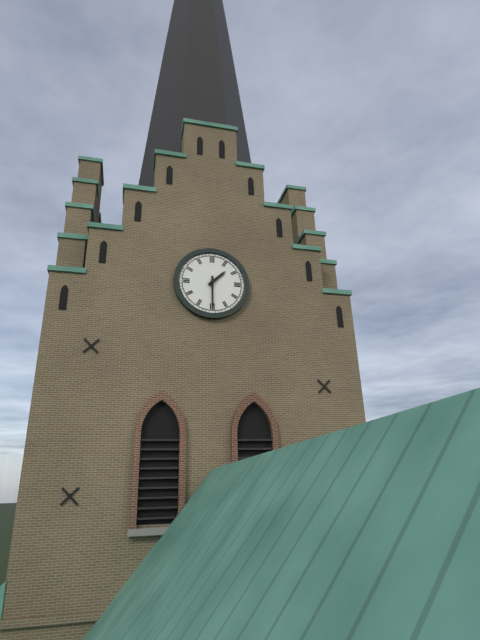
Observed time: **1:30**
